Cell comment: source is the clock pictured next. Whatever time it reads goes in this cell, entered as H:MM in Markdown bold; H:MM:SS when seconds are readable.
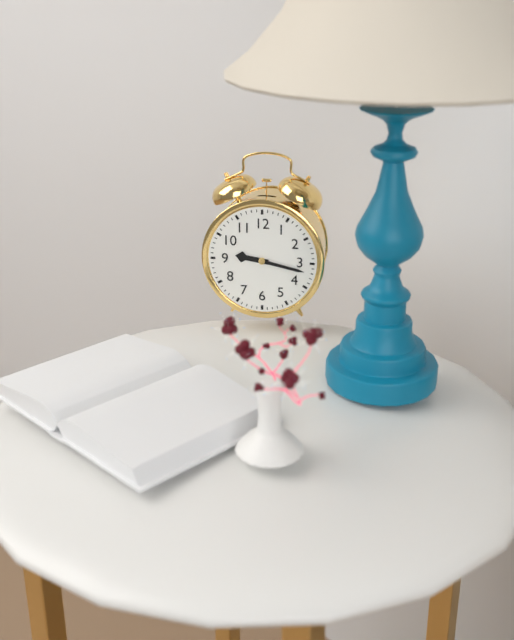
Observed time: **9:17**
